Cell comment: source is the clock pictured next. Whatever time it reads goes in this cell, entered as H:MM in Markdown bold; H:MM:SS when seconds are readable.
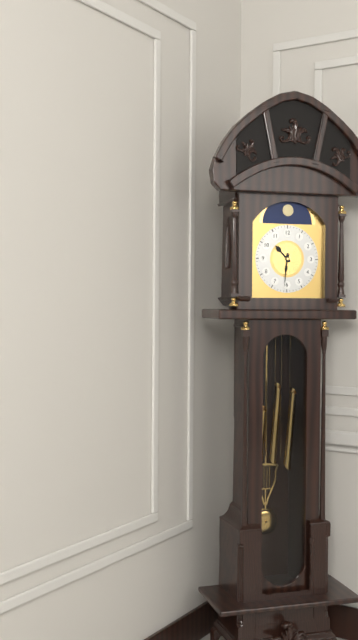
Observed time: **10:31**
